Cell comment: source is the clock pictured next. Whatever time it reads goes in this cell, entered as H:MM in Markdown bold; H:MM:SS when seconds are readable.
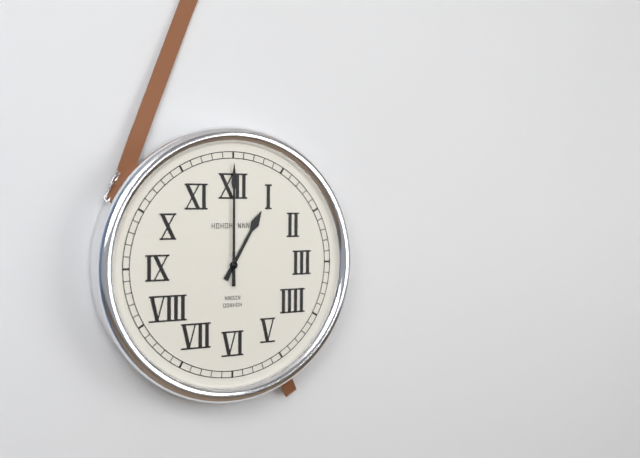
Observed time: **1:00**
